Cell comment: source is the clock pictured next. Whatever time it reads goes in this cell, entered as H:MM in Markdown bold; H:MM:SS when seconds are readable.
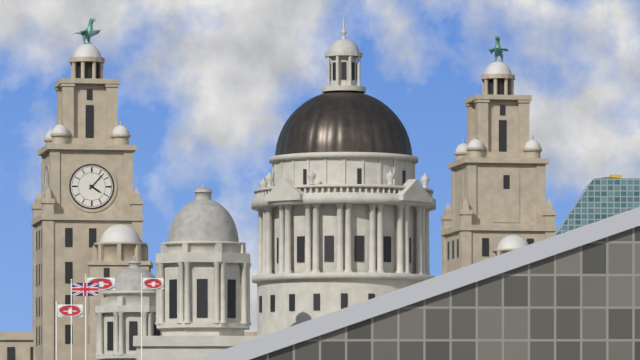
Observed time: **4:07**
